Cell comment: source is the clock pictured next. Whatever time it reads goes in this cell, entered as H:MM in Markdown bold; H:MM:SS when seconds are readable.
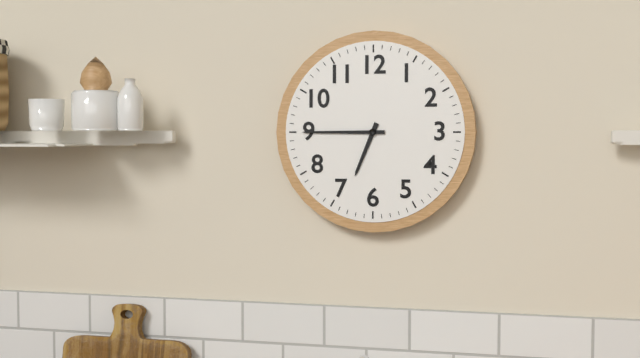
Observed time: **6:45**
